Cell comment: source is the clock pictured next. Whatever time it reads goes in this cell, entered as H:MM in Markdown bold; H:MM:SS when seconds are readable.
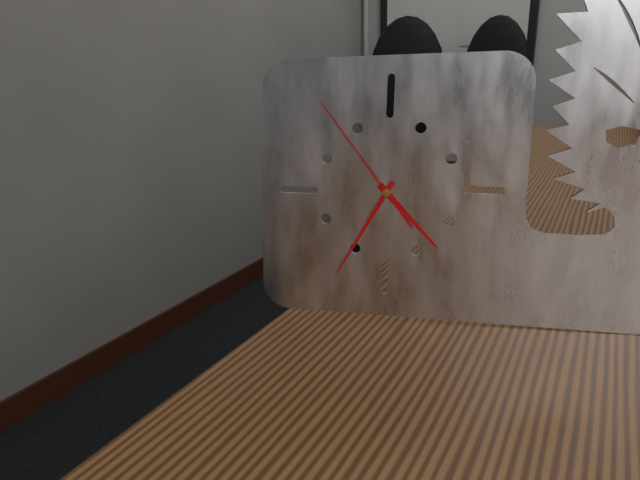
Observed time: **4:35:54**
